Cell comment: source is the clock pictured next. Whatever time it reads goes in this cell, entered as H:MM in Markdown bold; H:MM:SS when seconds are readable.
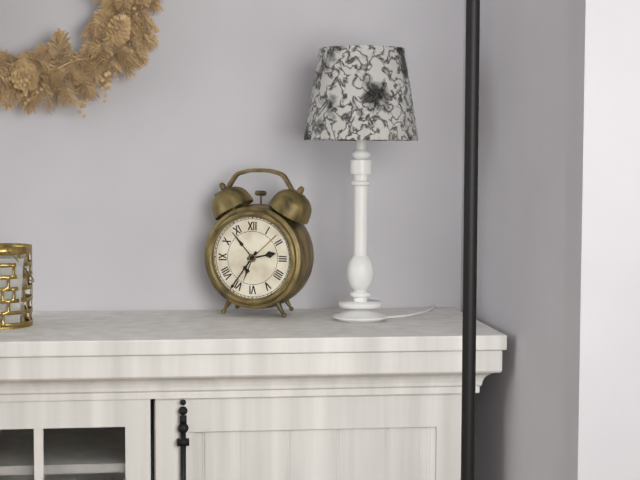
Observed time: **2:36**
